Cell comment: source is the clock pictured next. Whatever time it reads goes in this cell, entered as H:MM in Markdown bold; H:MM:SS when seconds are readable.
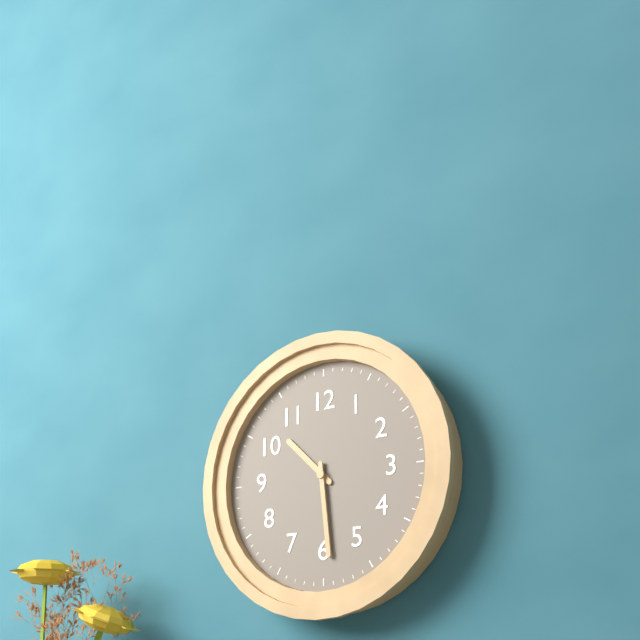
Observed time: **10:29**
